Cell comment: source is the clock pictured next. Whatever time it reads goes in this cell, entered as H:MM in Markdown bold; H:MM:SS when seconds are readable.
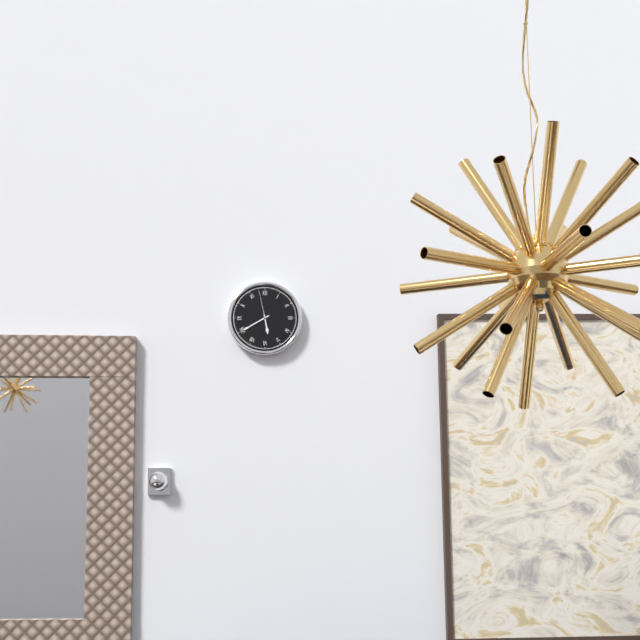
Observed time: **5:40**
